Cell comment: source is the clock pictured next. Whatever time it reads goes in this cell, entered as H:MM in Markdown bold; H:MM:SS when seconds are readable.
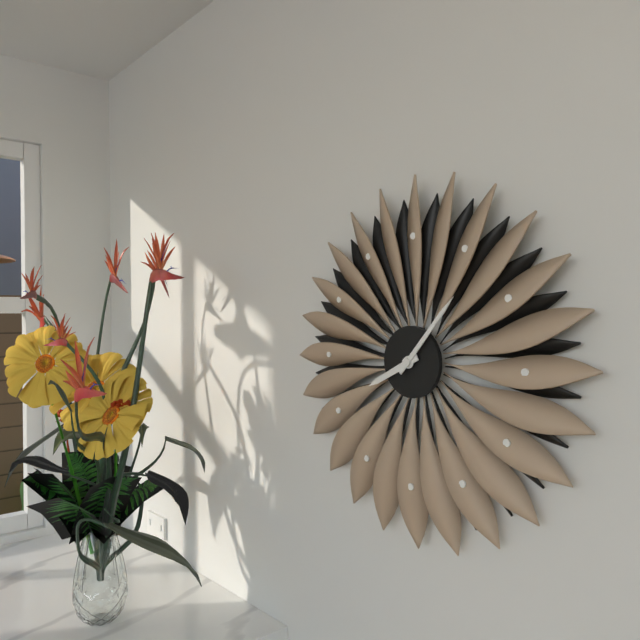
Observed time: **8:07**
